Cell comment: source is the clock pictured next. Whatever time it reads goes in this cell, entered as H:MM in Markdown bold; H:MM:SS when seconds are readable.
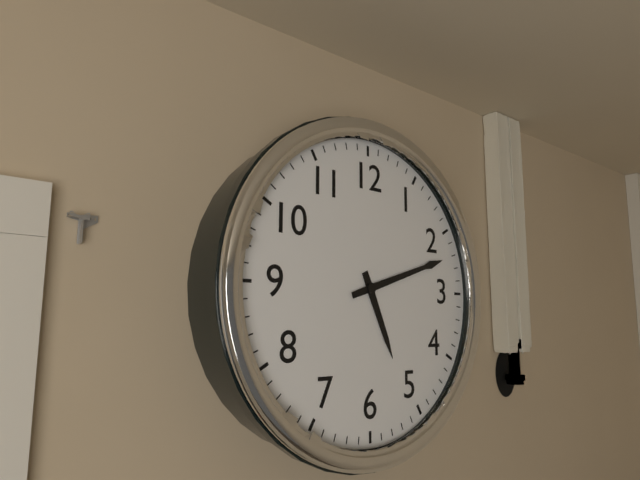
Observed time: **5:12**
